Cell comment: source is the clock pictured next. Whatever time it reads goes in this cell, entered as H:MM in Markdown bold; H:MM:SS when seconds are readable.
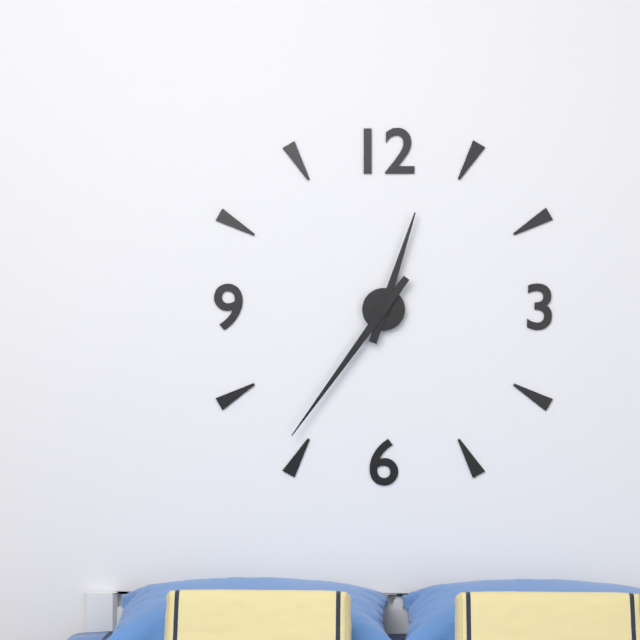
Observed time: **12:36**
